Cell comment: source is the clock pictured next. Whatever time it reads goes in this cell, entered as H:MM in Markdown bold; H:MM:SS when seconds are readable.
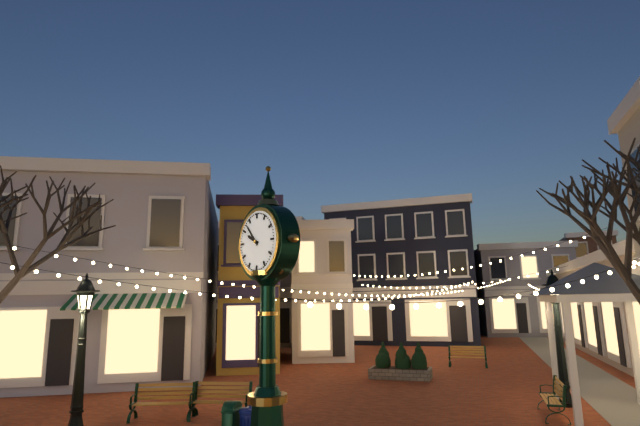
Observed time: **9:53**
